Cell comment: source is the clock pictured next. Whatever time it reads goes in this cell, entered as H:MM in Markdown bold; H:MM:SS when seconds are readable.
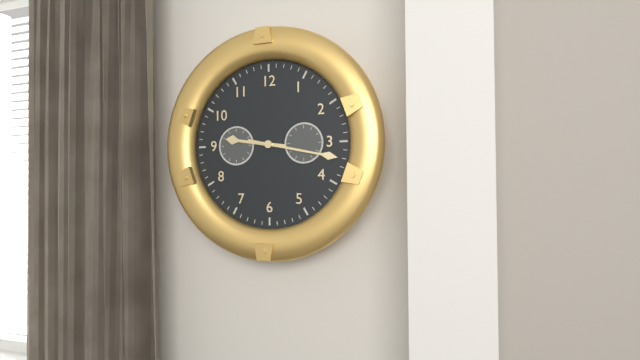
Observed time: **9:17**
